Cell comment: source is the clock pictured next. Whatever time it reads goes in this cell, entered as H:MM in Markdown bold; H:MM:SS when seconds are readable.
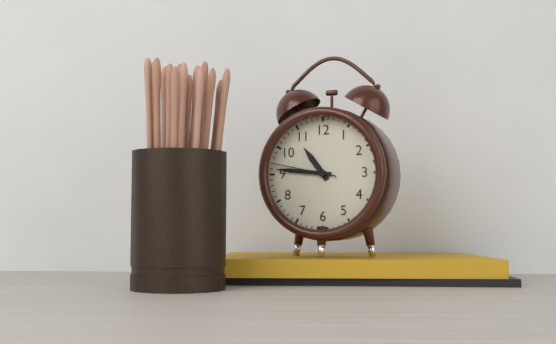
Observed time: **10:46:47**
